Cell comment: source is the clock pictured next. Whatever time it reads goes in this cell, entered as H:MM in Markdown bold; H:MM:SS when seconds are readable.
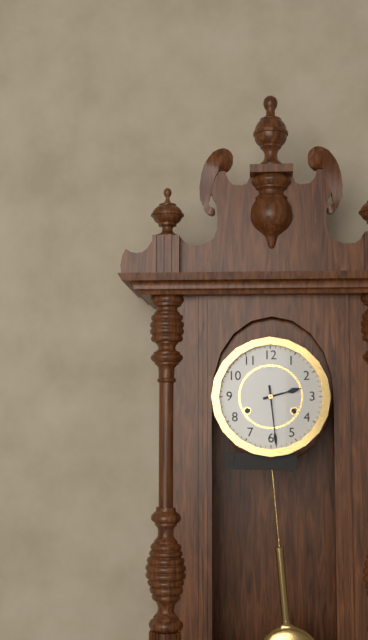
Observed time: **2:29**
